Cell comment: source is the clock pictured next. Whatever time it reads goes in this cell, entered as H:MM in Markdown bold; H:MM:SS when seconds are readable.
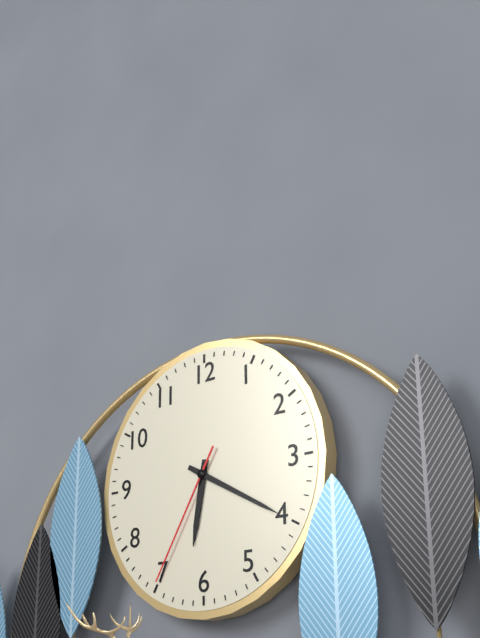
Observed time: **6:20:35**
